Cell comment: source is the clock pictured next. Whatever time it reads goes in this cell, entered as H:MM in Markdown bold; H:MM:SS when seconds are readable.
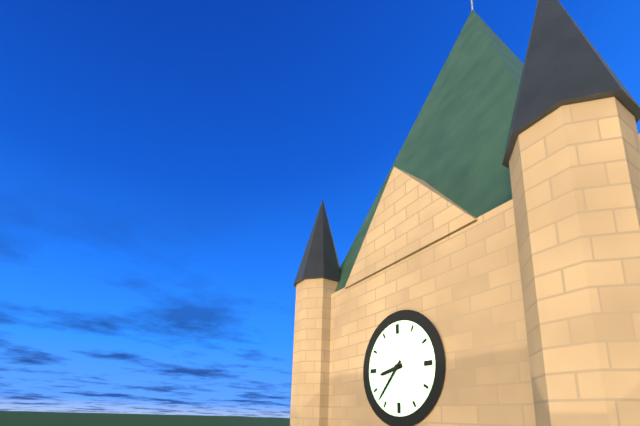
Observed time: **8:37**
